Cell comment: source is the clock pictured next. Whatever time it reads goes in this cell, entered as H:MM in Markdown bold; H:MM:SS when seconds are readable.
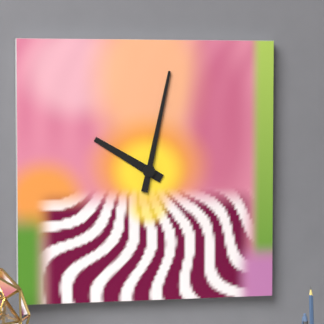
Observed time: **10:02**
